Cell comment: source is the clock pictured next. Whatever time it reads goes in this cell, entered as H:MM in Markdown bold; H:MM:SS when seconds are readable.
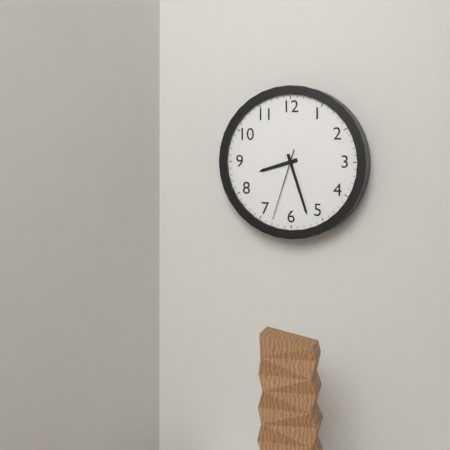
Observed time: **8:27:33**
